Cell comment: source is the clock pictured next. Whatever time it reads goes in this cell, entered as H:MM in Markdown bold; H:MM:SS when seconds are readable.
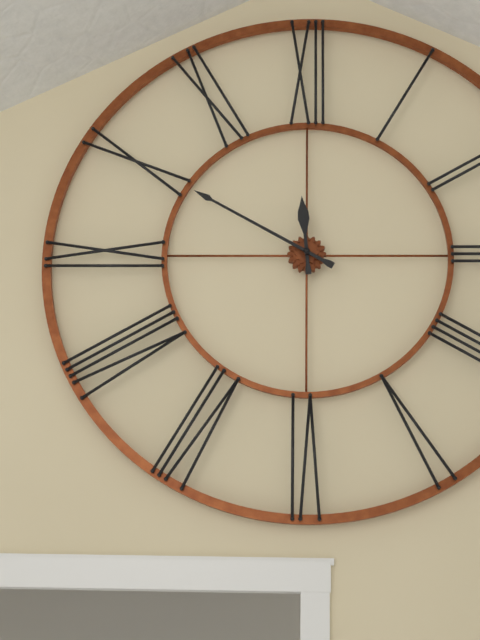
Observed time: **11:50**
